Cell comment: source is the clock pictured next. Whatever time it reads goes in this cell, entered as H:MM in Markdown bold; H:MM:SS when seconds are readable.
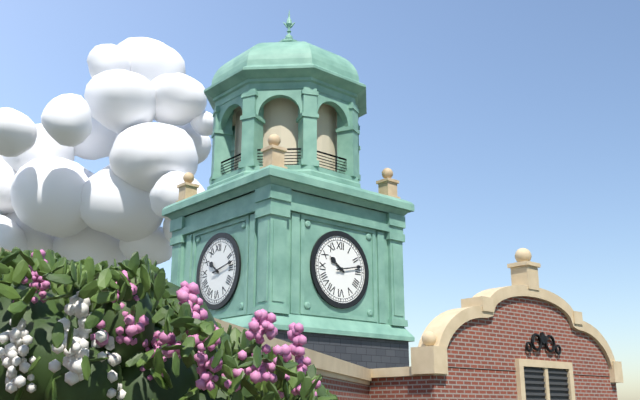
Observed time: **10:13**
